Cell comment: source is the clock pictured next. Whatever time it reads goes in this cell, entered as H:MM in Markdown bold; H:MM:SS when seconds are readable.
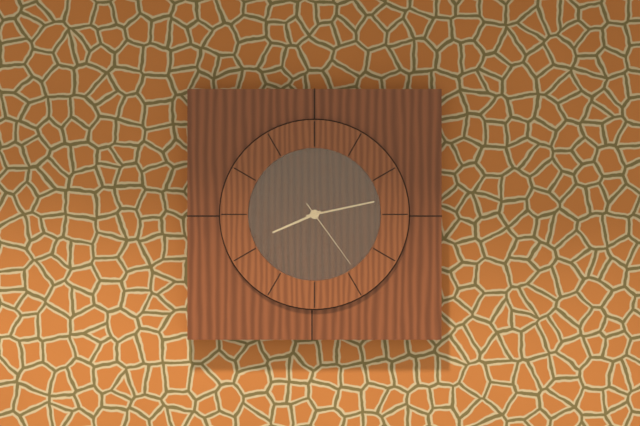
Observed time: **8:13:24**
